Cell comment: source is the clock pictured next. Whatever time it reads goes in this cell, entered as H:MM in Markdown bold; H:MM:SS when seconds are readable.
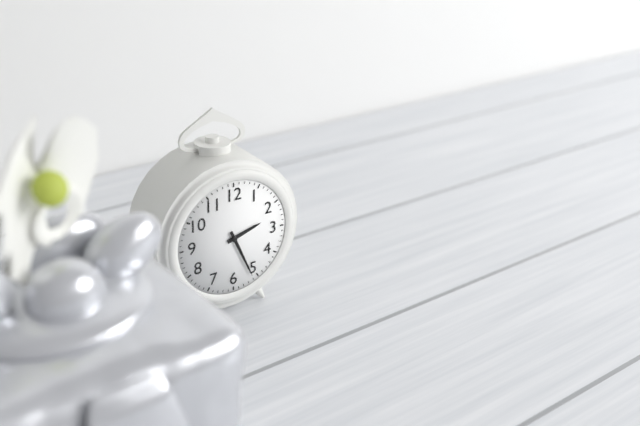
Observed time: **2:26**
